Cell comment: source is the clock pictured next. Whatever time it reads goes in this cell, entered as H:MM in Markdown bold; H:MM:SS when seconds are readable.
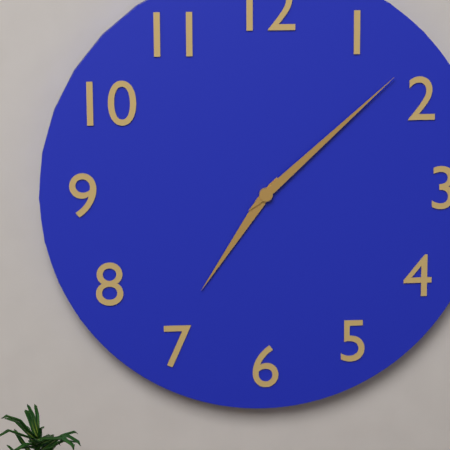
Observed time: **7:08**
